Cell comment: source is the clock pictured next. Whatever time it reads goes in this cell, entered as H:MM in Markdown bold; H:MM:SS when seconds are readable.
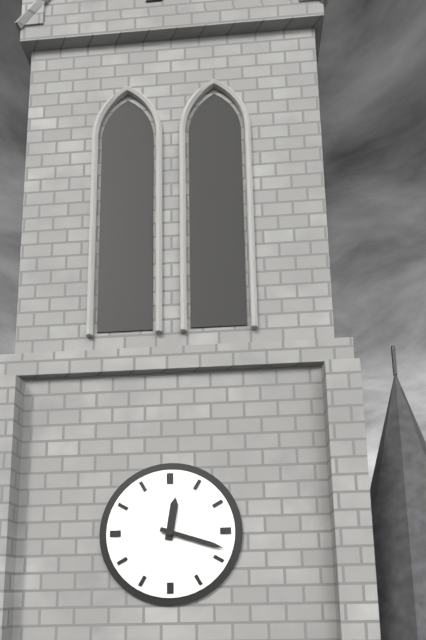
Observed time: **12:18**
